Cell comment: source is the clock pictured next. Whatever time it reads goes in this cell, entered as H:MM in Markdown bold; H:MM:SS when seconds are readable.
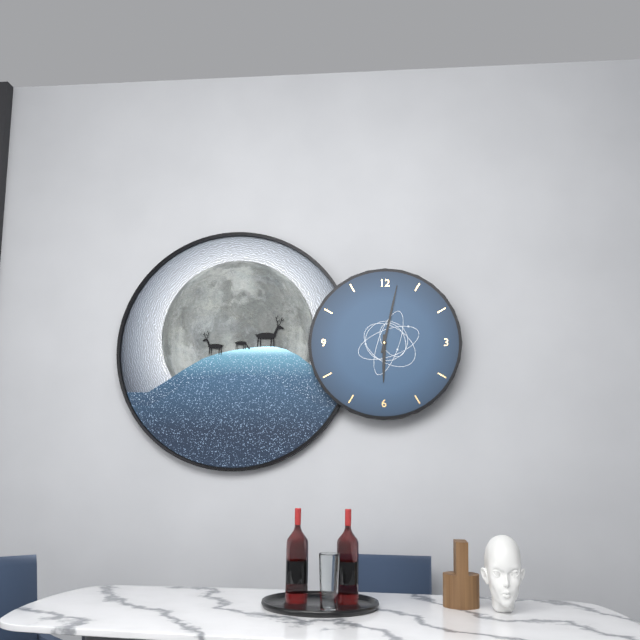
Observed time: **6:02**
